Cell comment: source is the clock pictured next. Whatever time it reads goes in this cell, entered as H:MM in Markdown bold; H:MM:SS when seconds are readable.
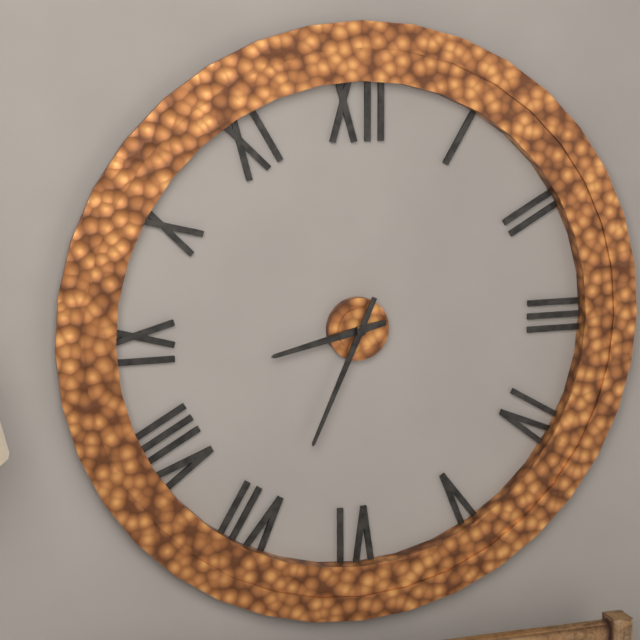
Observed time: **8:34**
